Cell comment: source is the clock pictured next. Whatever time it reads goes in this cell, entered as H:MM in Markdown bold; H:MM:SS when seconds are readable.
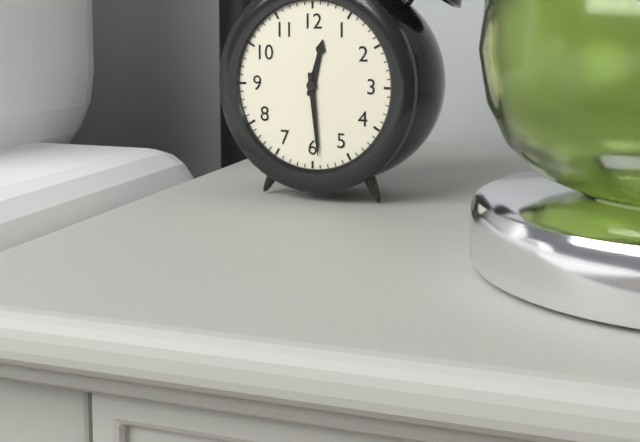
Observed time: **12:29**
